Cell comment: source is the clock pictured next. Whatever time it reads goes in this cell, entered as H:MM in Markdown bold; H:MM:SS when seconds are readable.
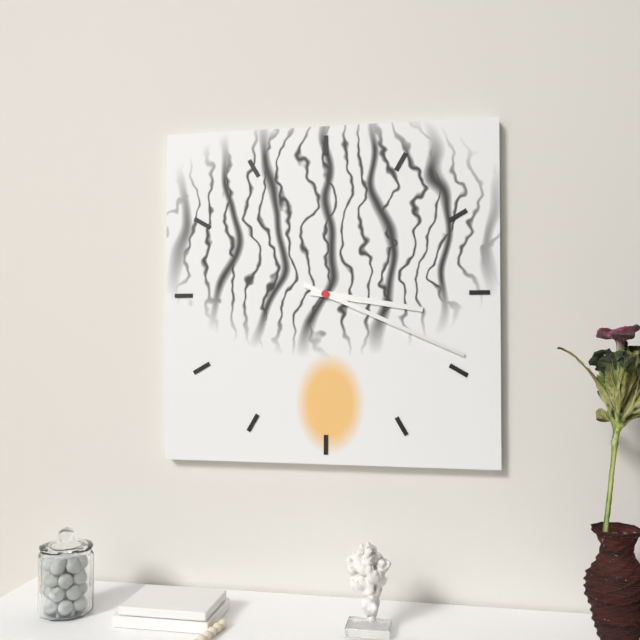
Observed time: **3:19**
